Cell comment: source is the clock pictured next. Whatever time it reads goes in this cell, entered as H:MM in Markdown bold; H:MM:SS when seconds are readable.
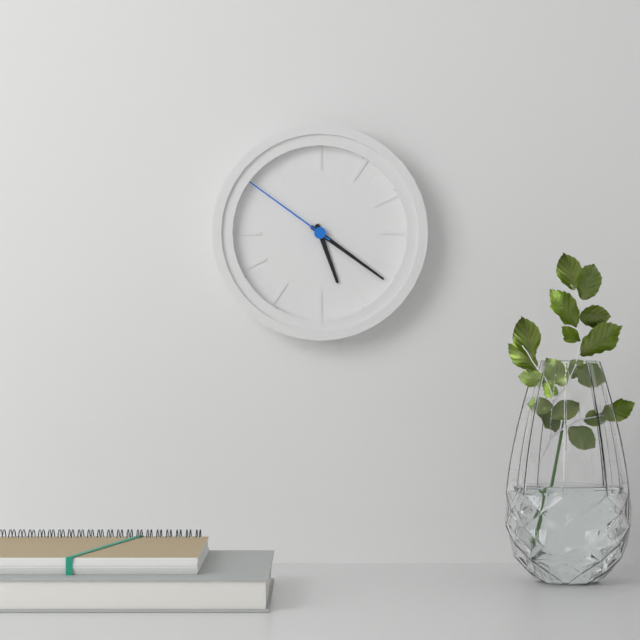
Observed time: **5:21:51**
